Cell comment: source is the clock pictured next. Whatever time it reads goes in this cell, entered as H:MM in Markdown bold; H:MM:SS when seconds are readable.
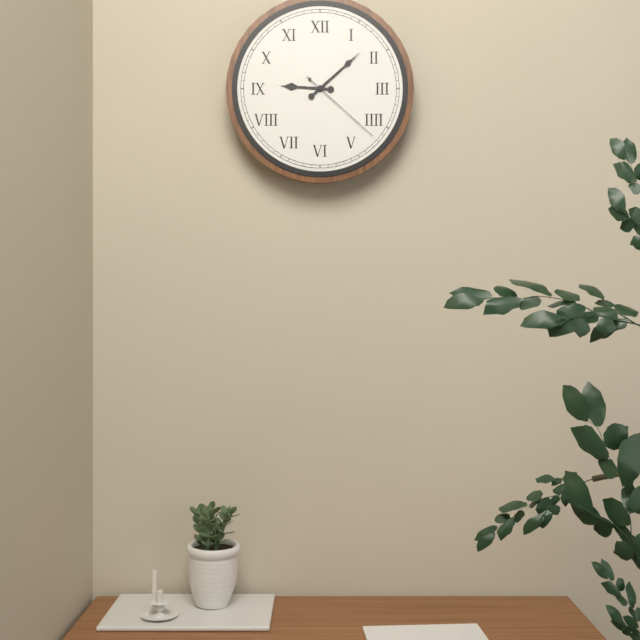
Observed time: **9:08:22**
